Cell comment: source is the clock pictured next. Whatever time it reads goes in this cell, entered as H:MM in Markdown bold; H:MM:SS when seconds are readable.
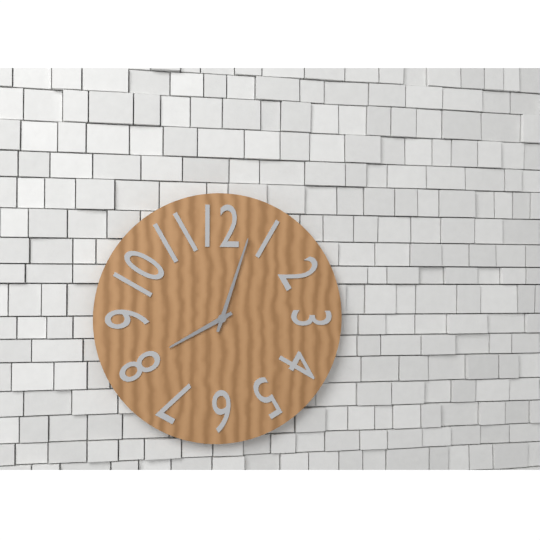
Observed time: **8:03**
